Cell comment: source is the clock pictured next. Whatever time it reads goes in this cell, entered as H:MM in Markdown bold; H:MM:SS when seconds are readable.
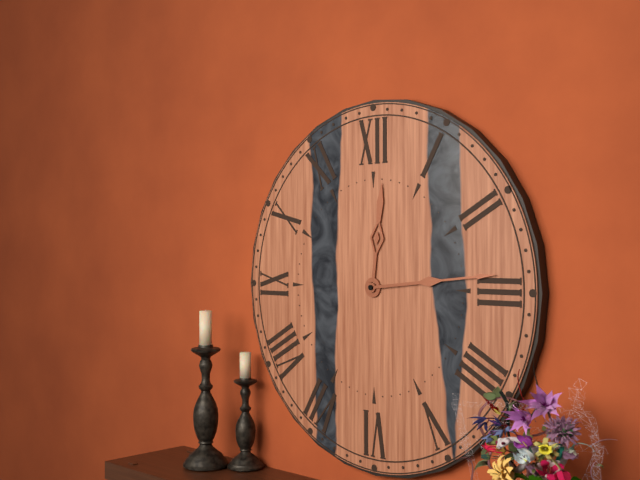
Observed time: **12:14**
